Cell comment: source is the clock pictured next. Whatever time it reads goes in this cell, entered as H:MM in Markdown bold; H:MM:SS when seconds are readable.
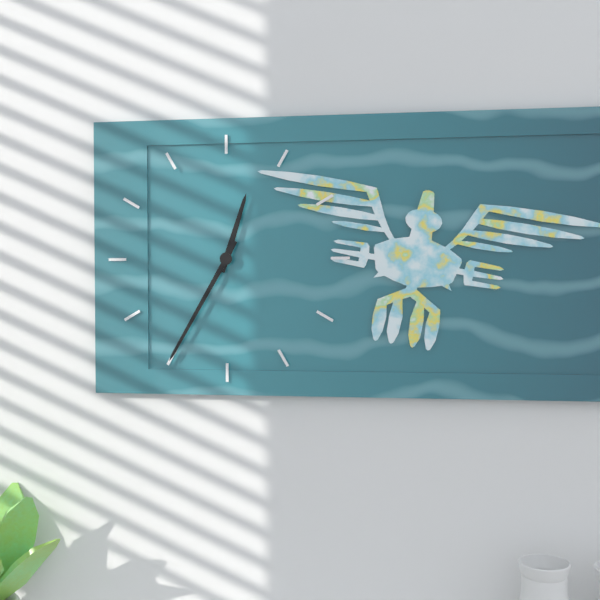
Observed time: **12:35**
